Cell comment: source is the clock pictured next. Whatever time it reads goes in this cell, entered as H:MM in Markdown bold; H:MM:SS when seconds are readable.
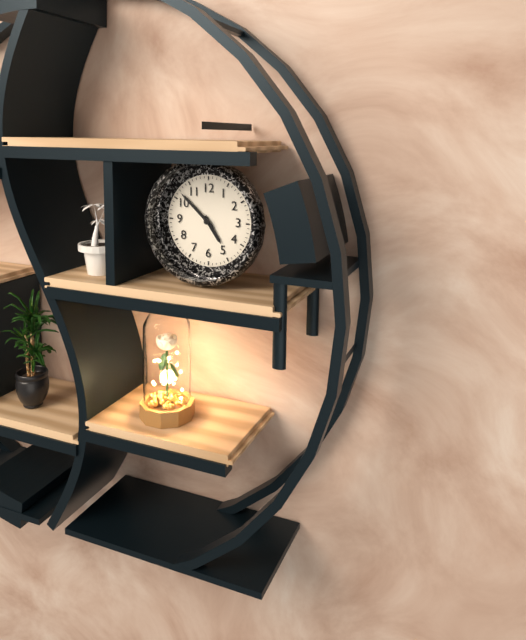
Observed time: **4:52**
